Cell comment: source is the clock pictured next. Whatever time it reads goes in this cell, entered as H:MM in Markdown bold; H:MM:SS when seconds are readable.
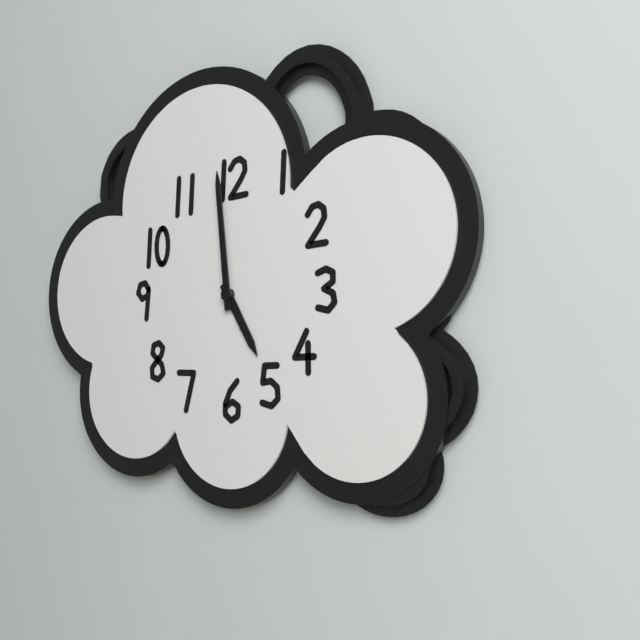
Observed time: **4:59**
